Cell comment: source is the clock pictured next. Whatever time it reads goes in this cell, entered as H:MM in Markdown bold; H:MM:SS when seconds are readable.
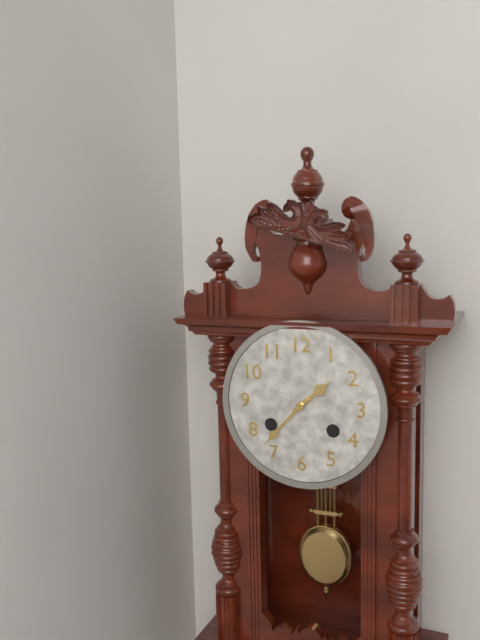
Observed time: **1:37**
